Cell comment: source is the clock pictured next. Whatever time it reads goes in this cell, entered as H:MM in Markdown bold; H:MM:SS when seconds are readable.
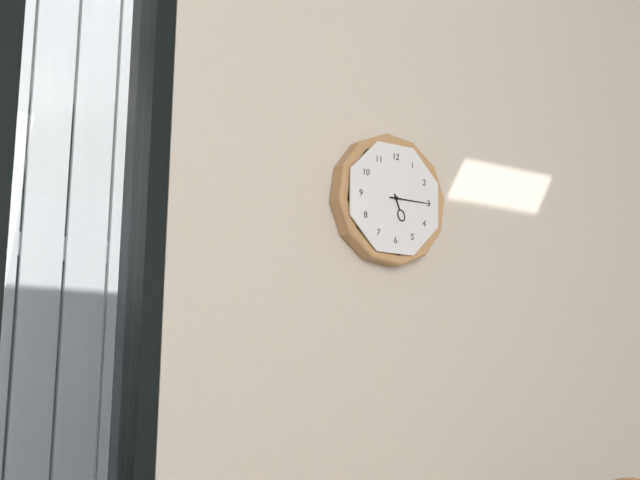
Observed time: **5:15**
